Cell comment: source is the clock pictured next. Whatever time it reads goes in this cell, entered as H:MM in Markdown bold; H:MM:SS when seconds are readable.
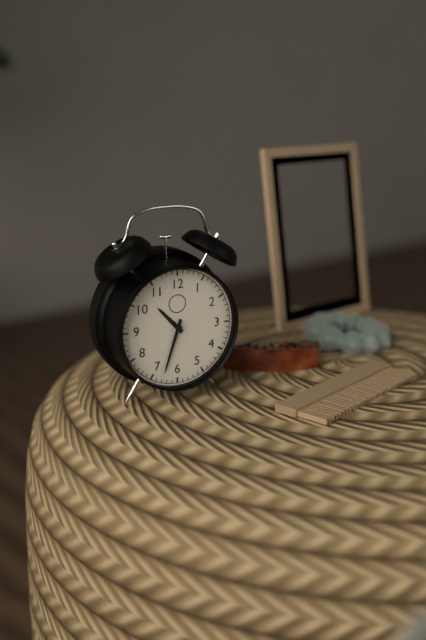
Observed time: **10:33**
